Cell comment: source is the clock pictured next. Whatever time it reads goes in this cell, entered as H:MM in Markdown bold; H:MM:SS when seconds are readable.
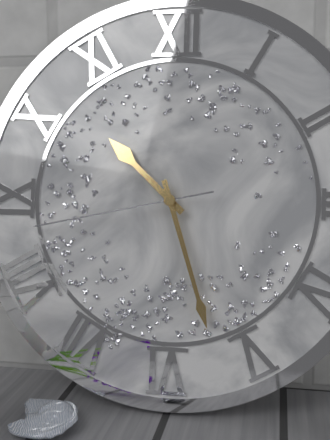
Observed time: **10:27:43**
